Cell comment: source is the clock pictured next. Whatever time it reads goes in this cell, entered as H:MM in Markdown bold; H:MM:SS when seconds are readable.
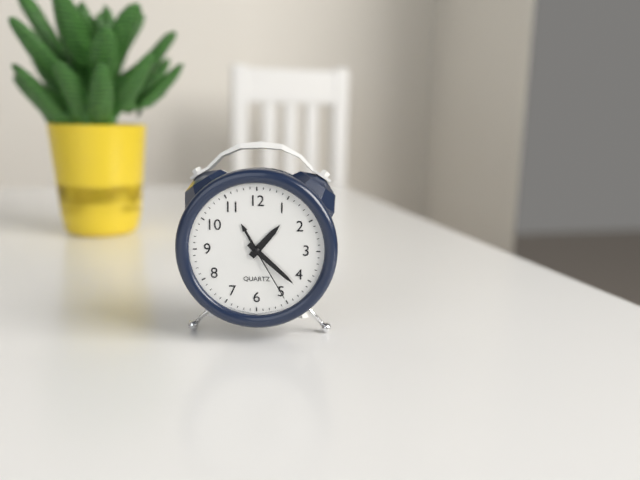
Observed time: **1:22:25**
